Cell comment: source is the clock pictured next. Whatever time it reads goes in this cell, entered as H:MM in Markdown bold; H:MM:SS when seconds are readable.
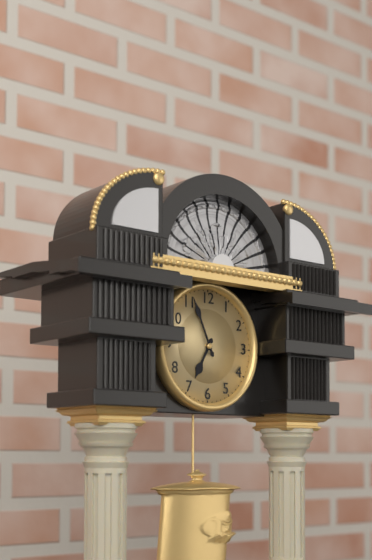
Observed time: **6:56**
